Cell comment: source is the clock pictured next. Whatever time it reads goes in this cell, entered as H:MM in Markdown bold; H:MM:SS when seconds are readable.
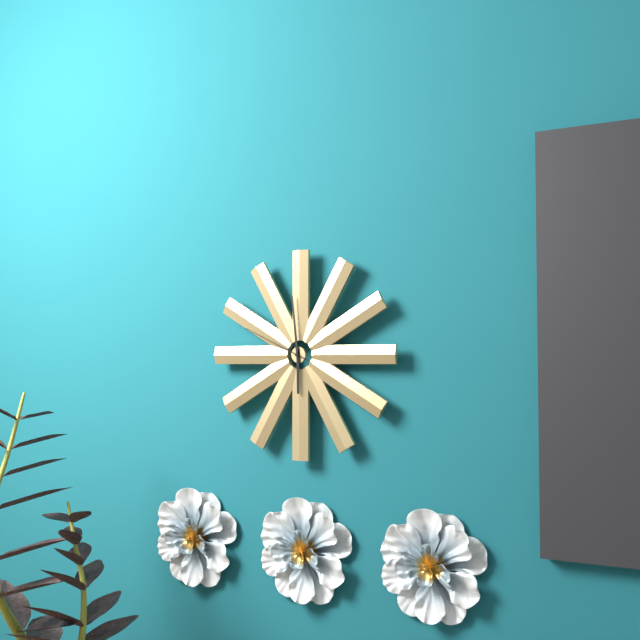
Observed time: **5:59:49**
